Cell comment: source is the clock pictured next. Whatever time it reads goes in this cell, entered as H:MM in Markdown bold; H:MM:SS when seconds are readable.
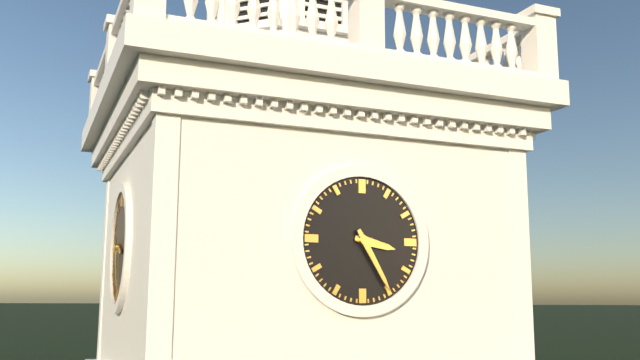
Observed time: **3:25**
